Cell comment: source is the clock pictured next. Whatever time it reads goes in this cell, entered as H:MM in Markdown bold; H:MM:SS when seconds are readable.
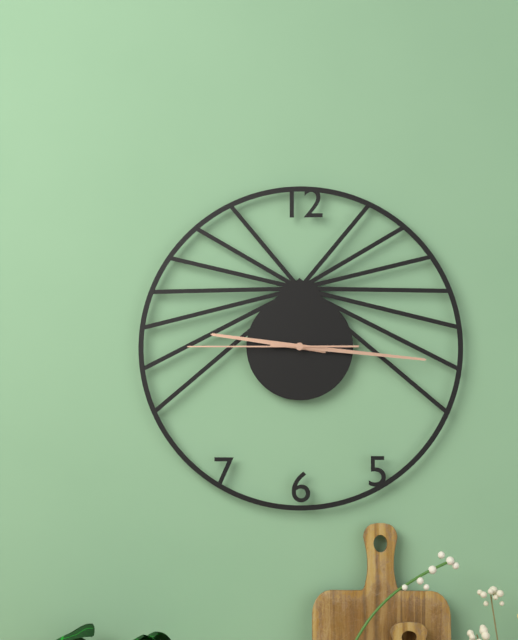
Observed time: **9:16:45**
